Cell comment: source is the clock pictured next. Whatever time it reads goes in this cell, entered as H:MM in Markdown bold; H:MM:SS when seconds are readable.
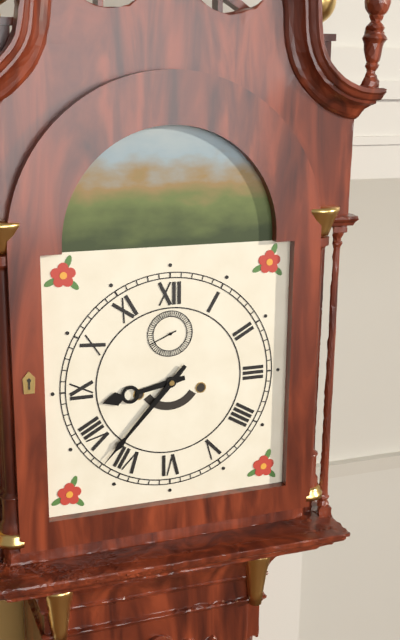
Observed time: **8:37**
